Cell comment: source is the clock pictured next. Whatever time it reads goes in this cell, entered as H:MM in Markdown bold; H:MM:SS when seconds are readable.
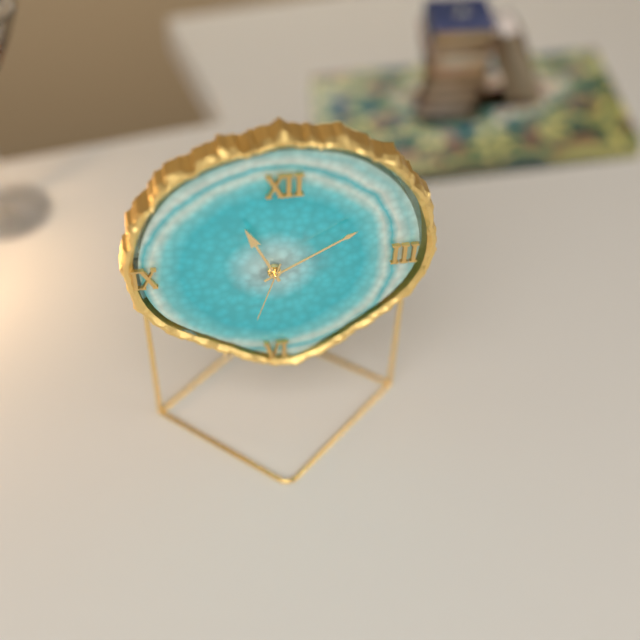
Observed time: **11:10:33**
